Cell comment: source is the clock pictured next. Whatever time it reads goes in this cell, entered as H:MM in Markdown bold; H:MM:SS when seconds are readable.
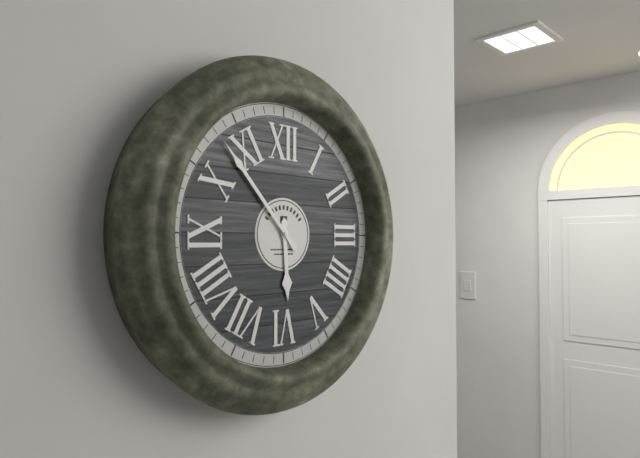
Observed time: **5:53**
